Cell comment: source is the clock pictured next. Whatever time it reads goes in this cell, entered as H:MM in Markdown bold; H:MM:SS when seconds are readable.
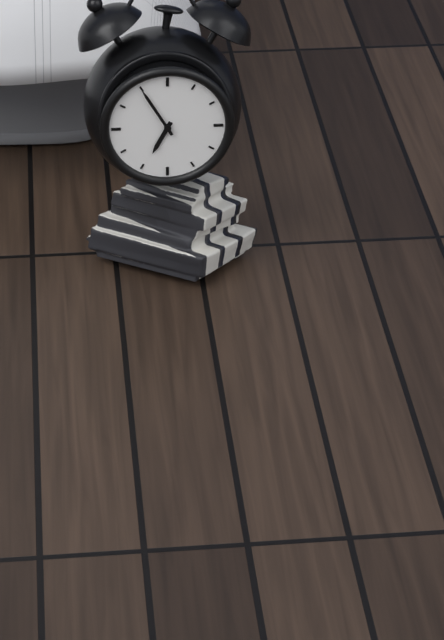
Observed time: **6:55**
